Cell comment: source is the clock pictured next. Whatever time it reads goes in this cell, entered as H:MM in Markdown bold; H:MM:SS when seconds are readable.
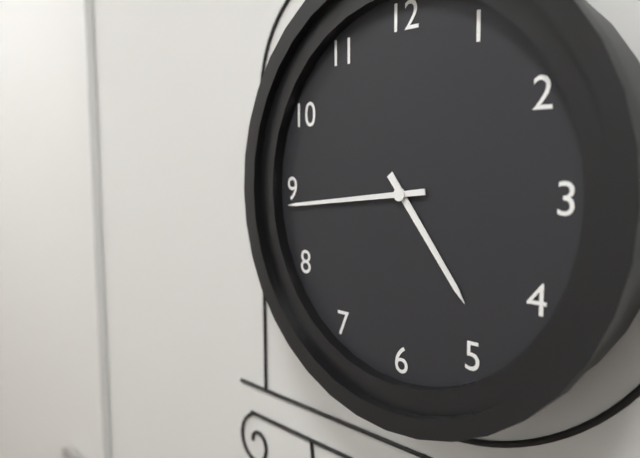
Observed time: **4:44**
